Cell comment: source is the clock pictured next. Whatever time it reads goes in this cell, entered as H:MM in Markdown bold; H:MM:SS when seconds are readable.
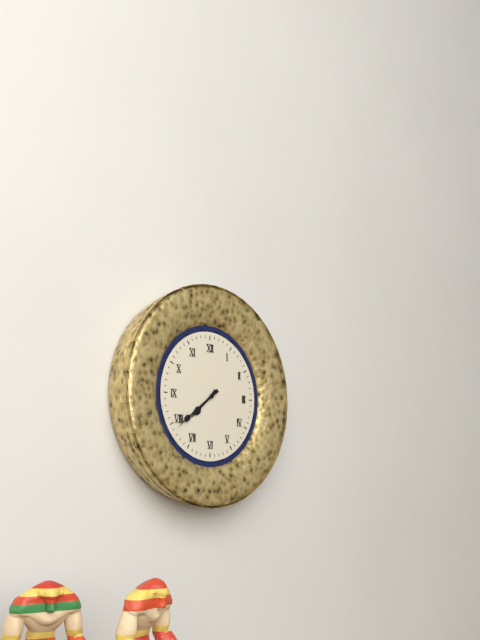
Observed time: **7:39**
